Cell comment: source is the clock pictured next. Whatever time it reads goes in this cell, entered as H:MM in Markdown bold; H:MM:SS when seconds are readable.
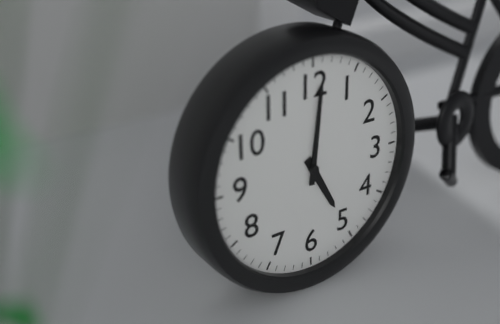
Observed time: **5:01**
